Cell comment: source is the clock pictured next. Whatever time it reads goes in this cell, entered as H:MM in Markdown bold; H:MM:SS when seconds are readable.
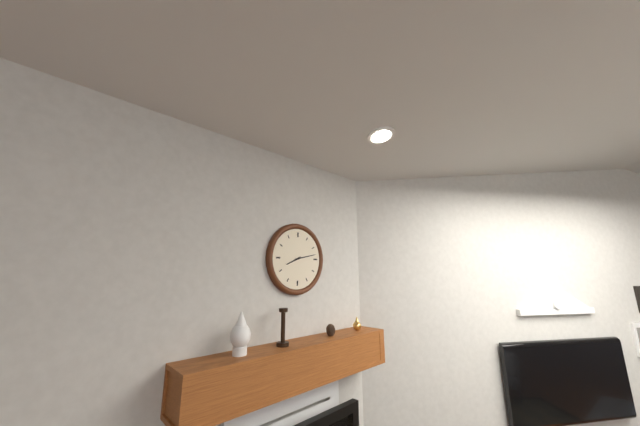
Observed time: **8:13**
